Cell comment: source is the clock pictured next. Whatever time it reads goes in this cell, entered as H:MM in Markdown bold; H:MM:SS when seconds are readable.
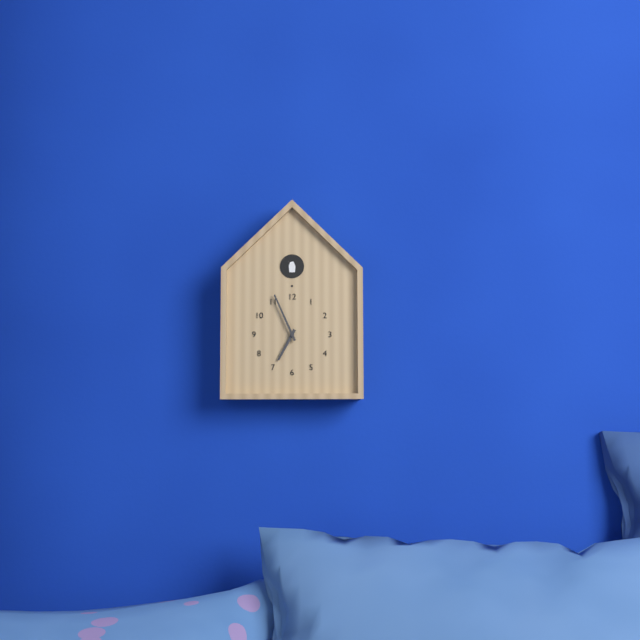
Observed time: **6:56**
